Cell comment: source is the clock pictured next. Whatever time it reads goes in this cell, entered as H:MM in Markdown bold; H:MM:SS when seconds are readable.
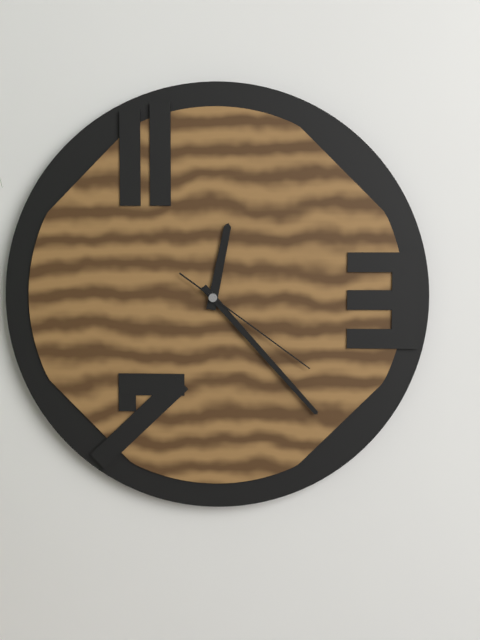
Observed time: **12:23:21**
